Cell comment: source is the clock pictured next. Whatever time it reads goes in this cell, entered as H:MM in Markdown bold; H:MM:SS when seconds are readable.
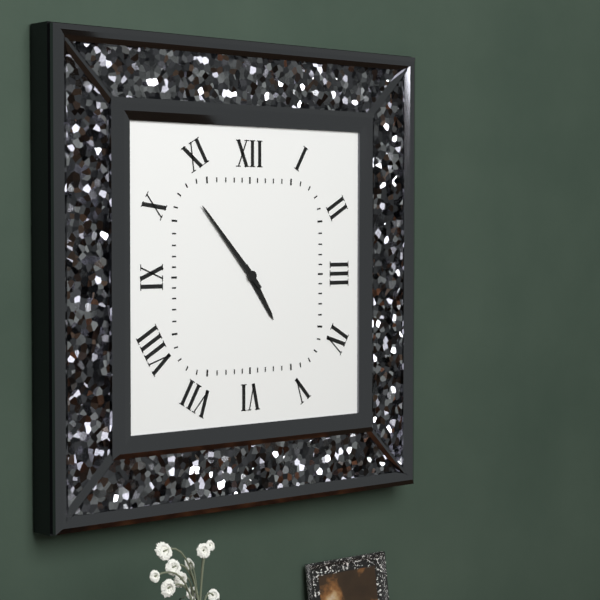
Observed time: **4:53**
